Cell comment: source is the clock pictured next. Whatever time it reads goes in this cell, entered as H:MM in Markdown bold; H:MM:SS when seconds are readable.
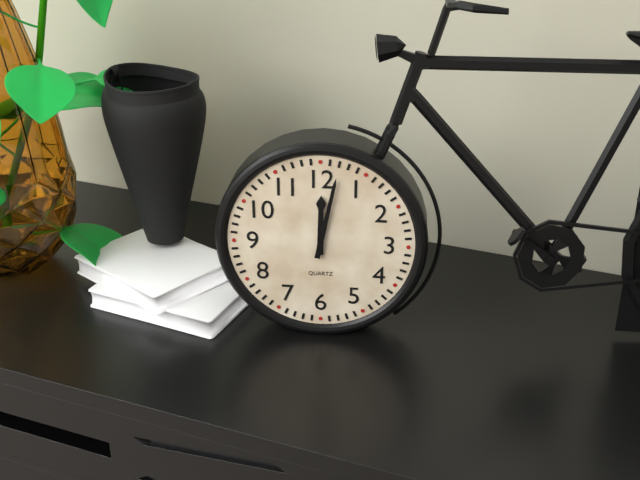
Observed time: **12:02**
